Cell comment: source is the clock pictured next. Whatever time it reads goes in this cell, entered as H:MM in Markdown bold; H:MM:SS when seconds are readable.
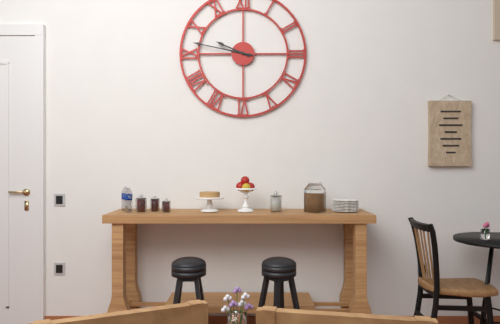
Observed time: **9:47**
